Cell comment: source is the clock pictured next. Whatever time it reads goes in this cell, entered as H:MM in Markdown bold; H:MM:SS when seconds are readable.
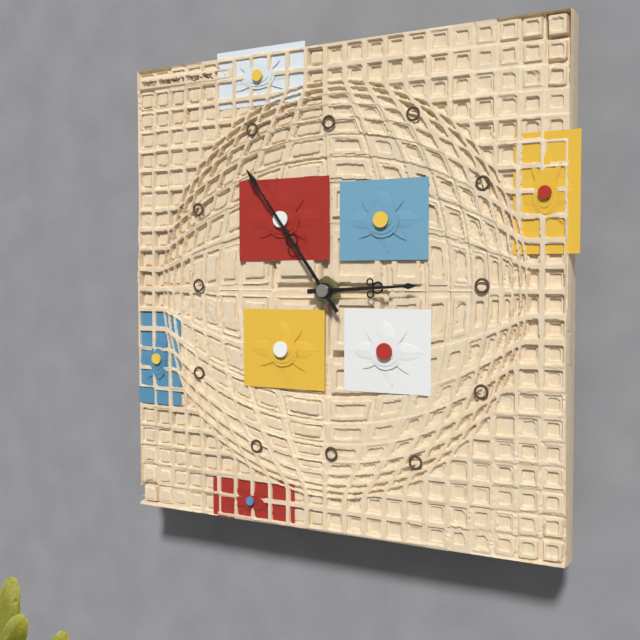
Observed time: **2:54**
